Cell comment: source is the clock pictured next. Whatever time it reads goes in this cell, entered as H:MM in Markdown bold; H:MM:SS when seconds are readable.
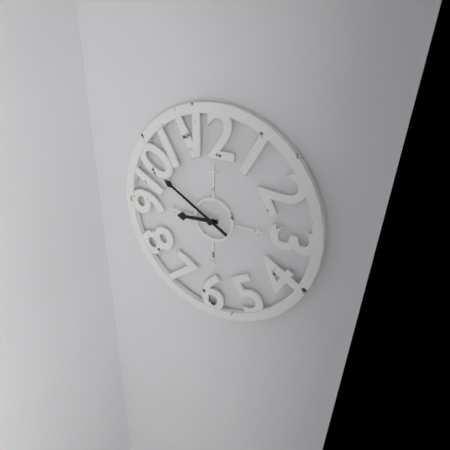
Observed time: **8:50**
